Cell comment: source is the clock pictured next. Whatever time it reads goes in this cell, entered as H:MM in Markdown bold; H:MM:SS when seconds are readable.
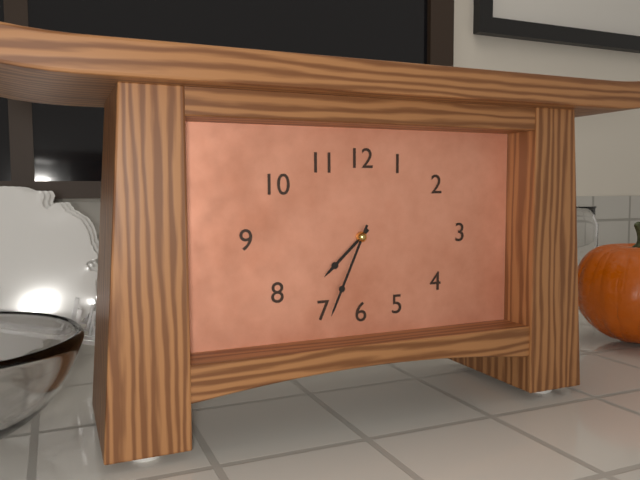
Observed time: **7:34**
